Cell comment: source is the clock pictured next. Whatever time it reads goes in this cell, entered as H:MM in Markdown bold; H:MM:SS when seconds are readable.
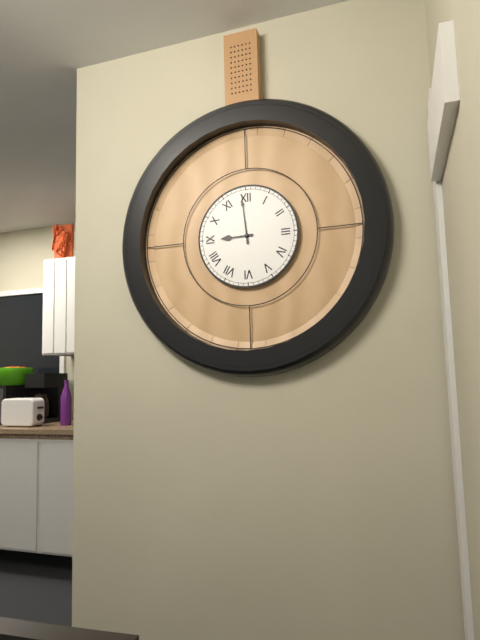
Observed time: **8:59**
